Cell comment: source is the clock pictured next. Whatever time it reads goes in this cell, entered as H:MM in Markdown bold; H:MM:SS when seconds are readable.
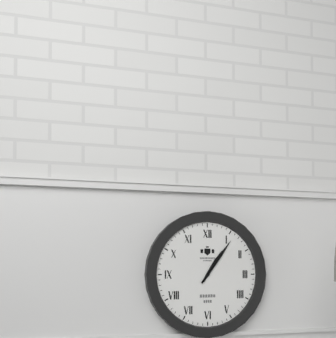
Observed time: **1:06**
